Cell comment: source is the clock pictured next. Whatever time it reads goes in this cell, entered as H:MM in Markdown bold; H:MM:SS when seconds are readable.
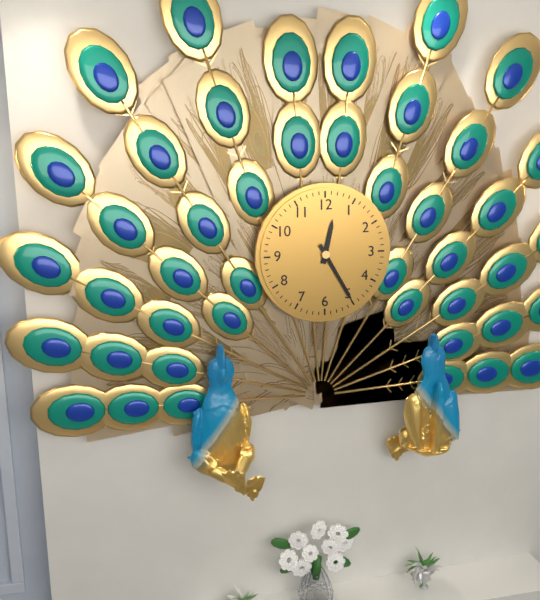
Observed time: **12:25**
